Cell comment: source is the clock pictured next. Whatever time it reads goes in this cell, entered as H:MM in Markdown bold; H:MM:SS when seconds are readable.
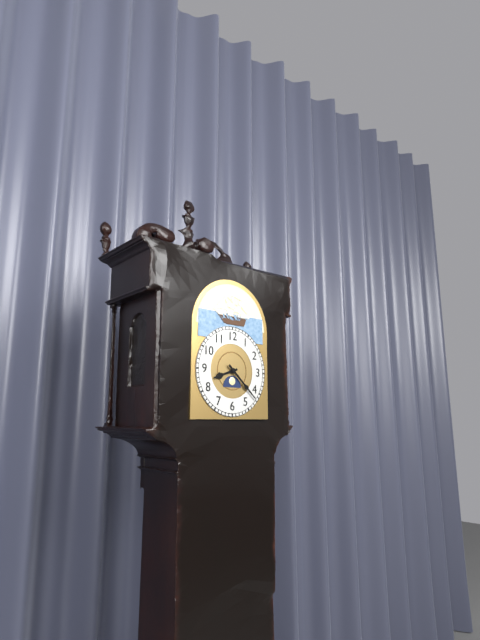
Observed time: **8:22**
